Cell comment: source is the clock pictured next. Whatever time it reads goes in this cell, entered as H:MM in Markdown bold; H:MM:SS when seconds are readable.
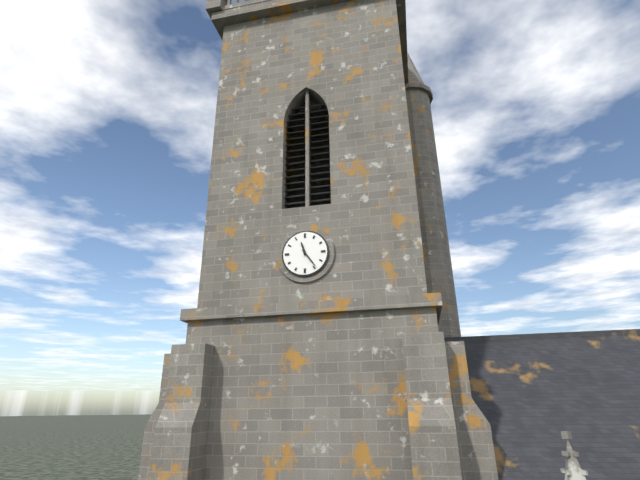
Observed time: **11:24**
